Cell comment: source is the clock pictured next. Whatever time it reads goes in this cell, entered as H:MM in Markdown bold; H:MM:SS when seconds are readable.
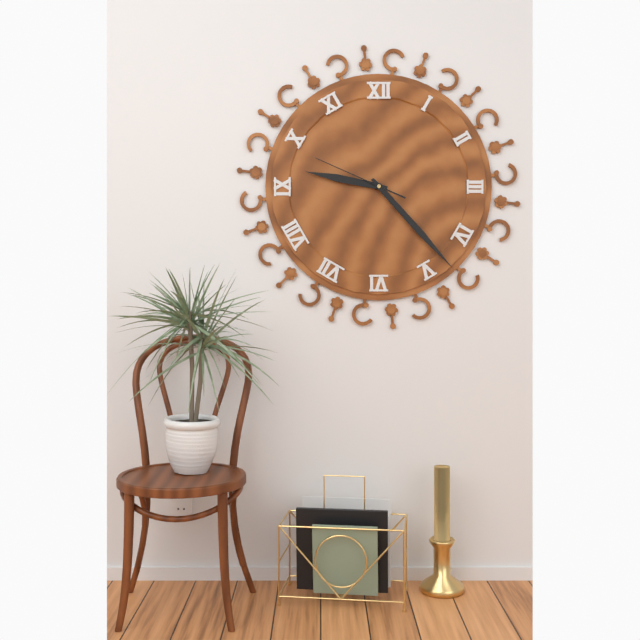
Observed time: **9:23:49**
